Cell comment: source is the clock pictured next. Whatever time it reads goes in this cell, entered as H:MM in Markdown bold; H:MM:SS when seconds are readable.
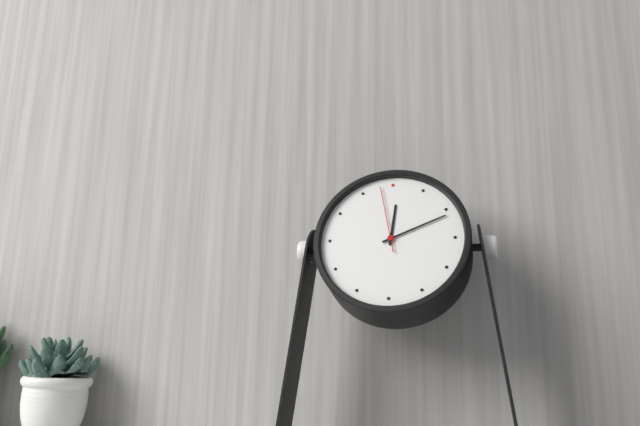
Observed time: **12:11:58**
